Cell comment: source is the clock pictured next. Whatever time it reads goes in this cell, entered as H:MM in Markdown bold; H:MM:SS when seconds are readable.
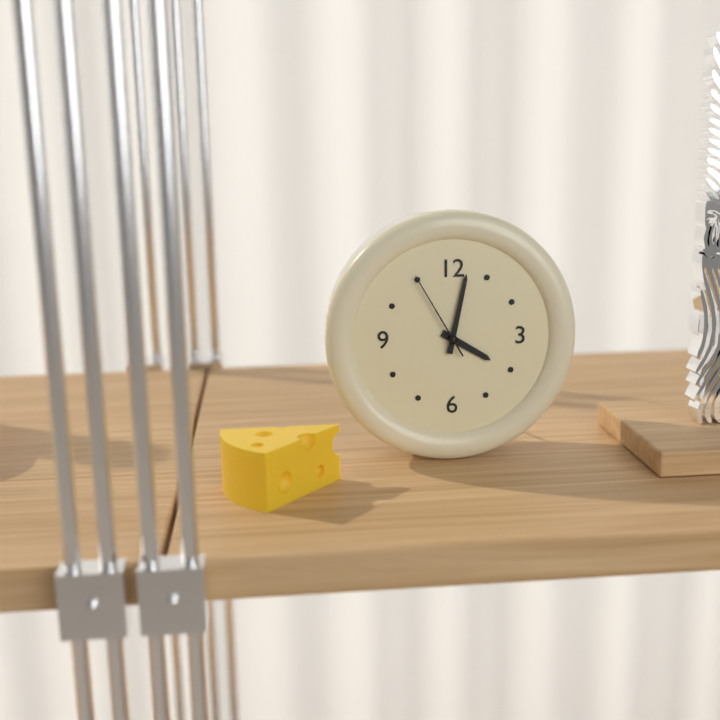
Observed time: **4:02:55**
